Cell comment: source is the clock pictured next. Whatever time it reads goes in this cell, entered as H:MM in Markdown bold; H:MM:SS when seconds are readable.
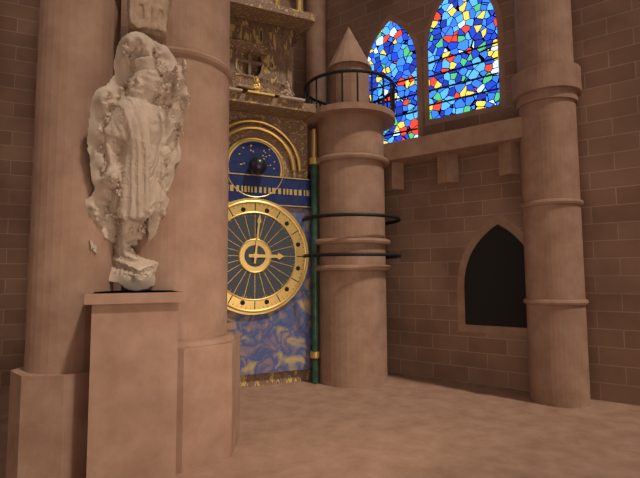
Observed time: **3:01**
